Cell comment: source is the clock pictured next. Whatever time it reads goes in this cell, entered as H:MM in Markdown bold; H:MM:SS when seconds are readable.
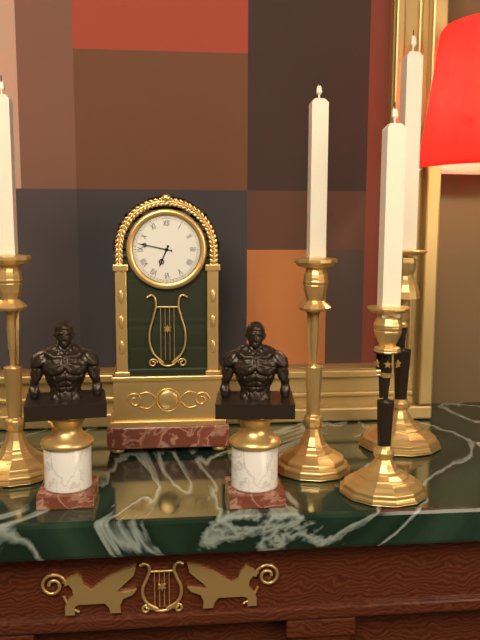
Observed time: **6:47**
